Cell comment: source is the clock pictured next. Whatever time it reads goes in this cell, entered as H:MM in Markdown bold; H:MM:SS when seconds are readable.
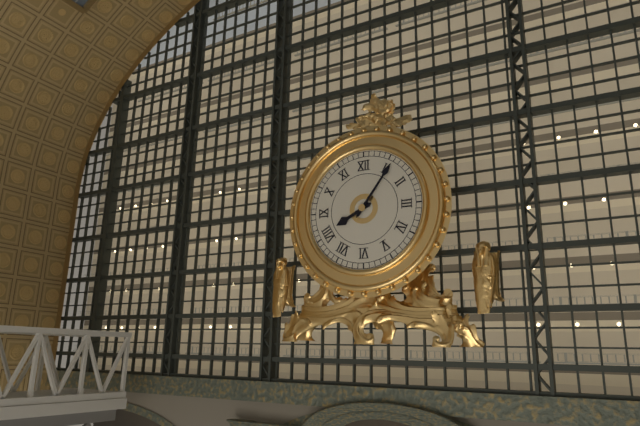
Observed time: **8:06**
